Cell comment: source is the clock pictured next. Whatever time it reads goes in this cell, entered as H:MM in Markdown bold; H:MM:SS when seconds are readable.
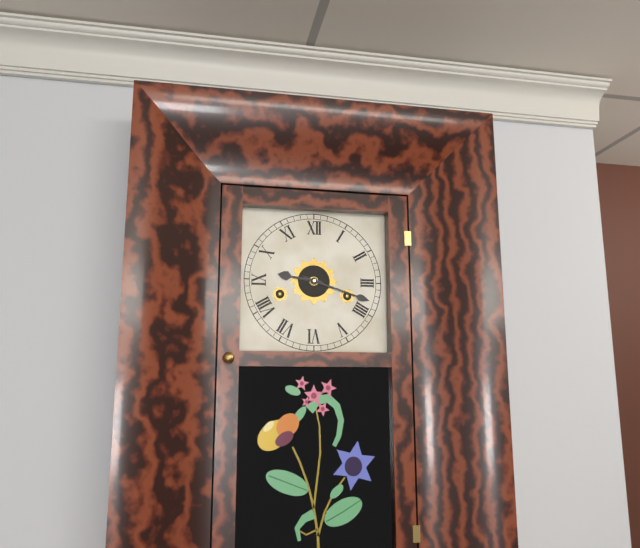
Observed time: **9:18**
